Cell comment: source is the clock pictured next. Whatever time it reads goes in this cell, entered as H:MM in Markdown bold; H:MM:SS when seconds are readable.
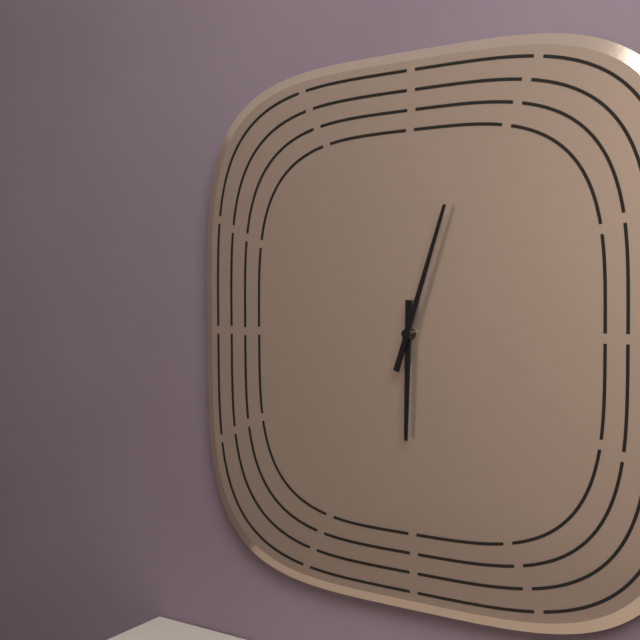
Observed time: **6:03**
